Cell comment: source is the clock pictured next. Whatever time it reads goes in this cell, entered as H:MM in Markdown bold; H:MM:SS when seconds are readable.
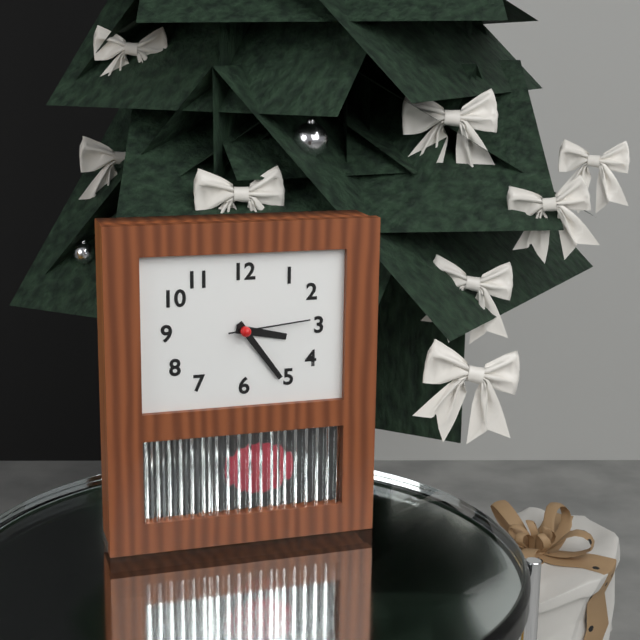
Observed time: **3:24:14**
